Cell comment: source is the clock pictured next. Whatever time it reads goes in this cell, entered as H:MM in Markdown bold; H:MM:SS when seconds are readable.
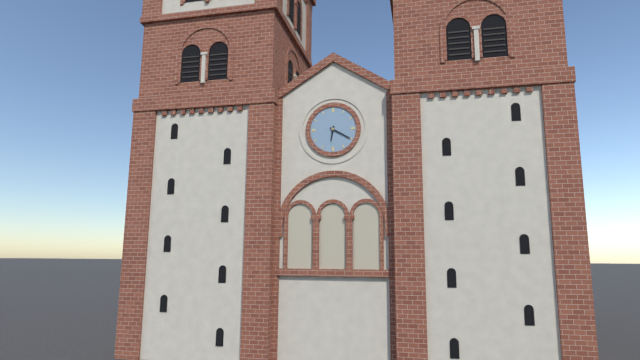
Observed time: **6:20**
